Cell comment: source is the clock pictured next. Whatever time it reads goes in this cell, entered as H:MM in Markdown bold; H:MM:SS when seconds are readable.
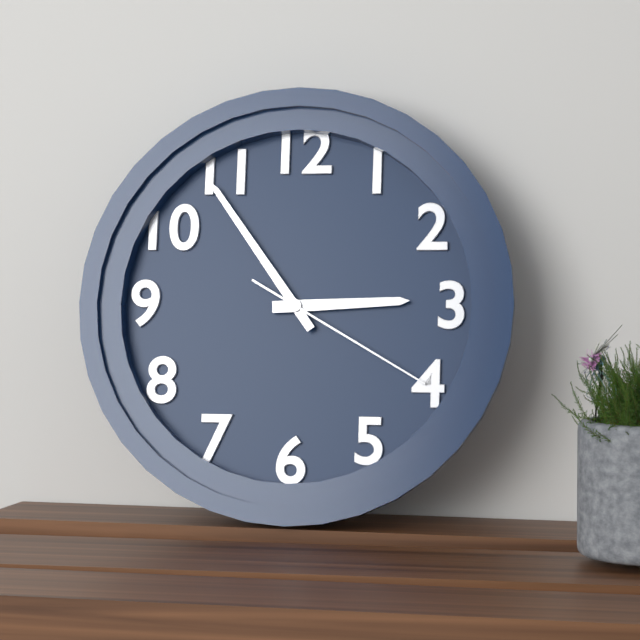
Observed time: **2:54:20**
